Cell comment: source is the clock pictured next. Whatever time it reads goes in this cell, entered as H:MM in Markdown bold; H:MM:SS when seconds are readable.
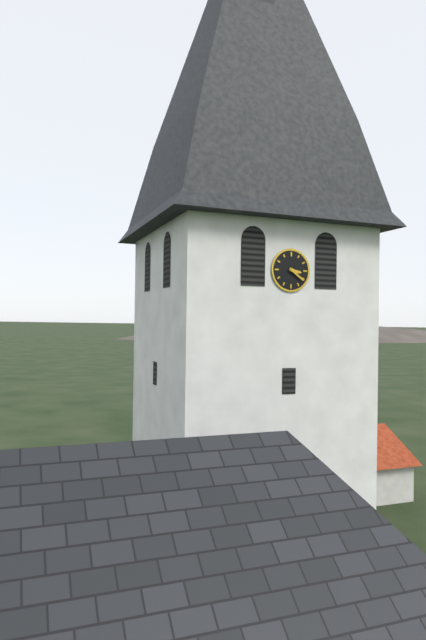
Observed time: **3:21**
